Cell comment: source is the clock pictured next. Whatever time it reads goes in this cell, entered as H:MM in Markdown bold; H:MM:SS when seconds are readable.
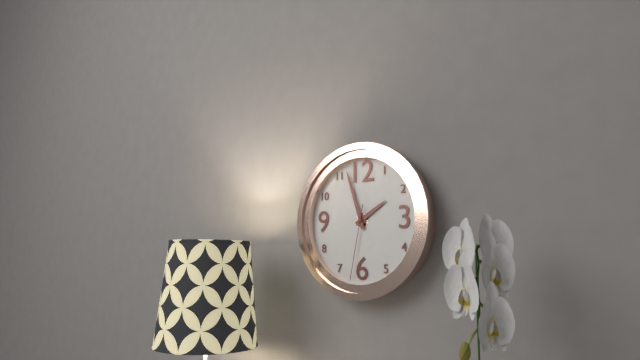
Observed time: **1:57:32**
